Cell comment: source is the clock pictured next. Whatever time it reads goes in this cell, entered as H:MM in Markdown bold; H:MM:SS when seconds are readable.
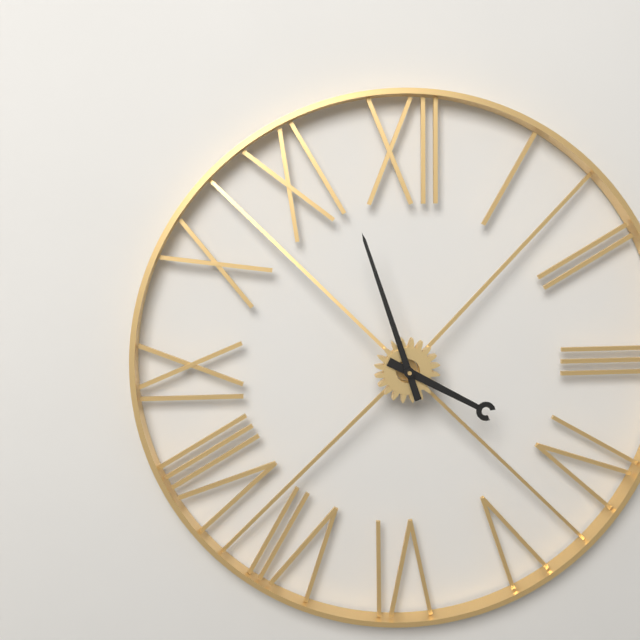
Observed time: **3:57**
